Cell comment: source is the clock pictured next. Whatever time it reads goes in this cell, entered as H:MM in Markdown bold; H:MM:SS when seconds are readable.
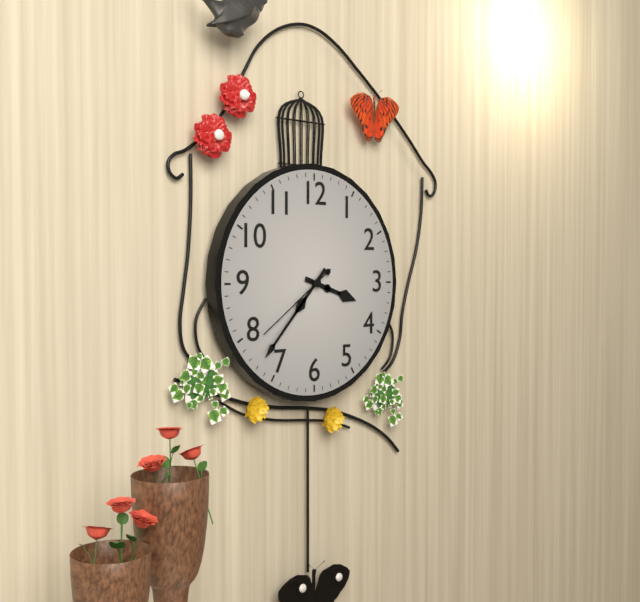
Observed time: **3:37:39**
